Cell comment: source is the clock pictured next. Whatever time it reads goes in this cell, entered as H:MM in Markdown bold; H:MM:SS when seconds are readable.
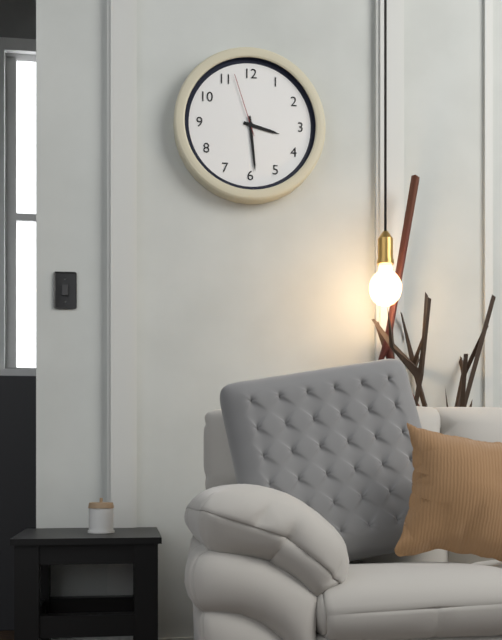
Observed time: **3:29:57**
